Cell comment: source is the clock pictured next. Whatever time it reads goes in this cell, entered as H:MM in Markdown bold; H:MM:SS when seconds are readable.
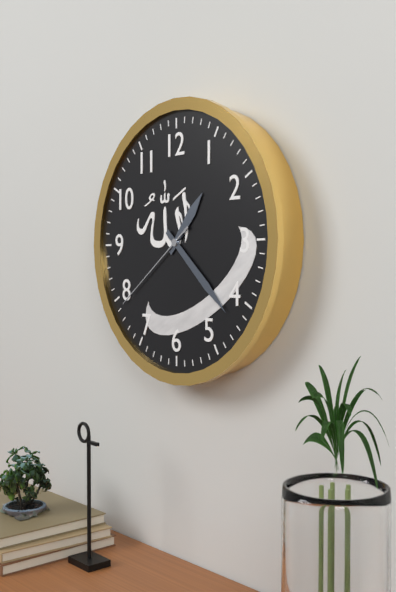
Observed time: **1:22:39**
